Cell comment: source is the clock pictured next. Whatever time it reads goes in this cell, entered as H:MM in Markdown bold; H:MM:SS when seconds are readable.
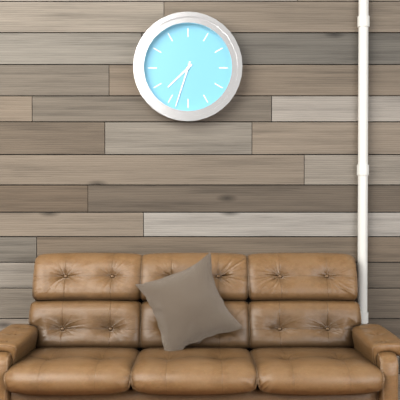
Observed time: **7:33**
